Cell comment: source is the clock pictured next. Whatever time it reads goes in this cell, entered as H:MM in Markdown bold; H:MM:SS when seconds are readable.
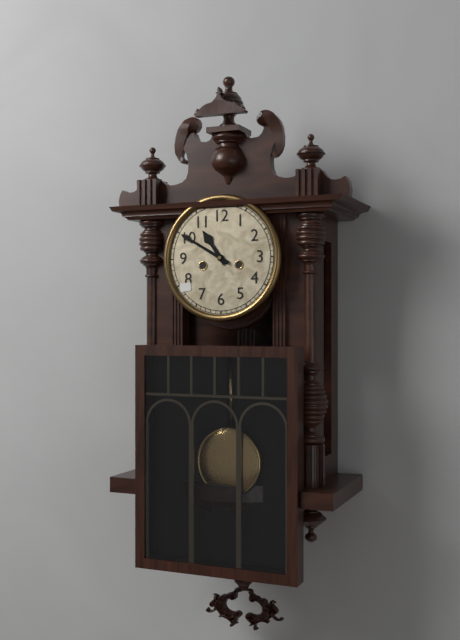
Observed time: **10:50**
